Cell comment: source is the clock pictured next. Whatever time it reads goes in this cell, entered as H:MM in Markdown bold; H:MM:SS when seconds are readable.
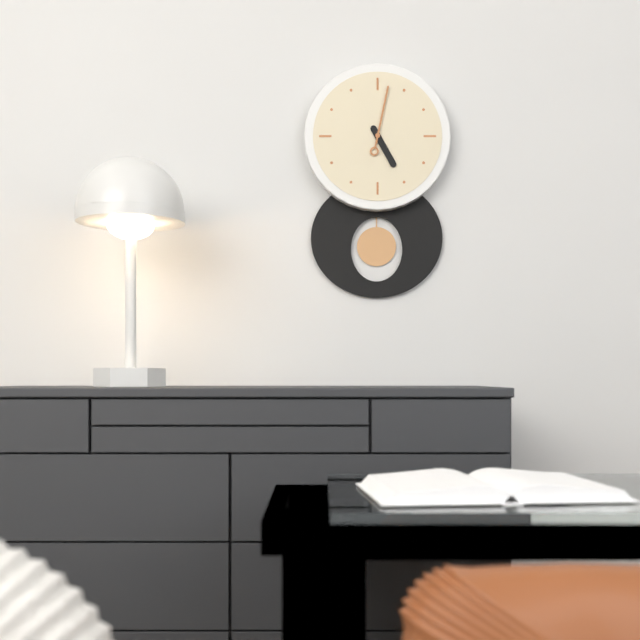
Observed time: **5:02**
